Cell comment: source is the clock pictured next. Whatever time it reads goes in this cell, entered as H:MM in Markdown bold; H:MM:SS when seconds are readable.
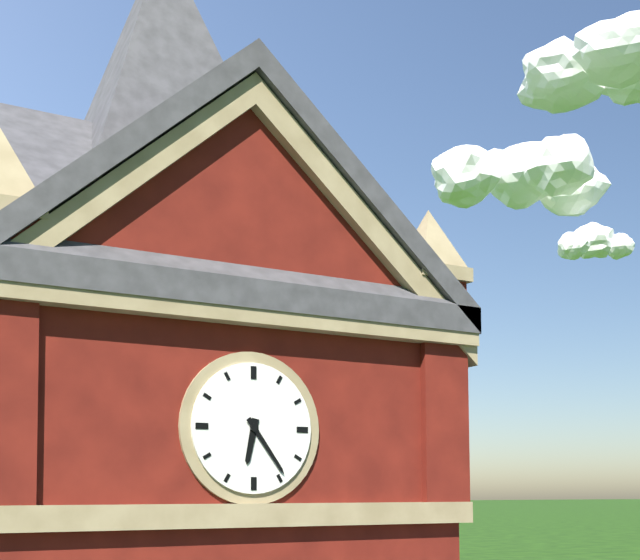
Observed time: **6:24**
